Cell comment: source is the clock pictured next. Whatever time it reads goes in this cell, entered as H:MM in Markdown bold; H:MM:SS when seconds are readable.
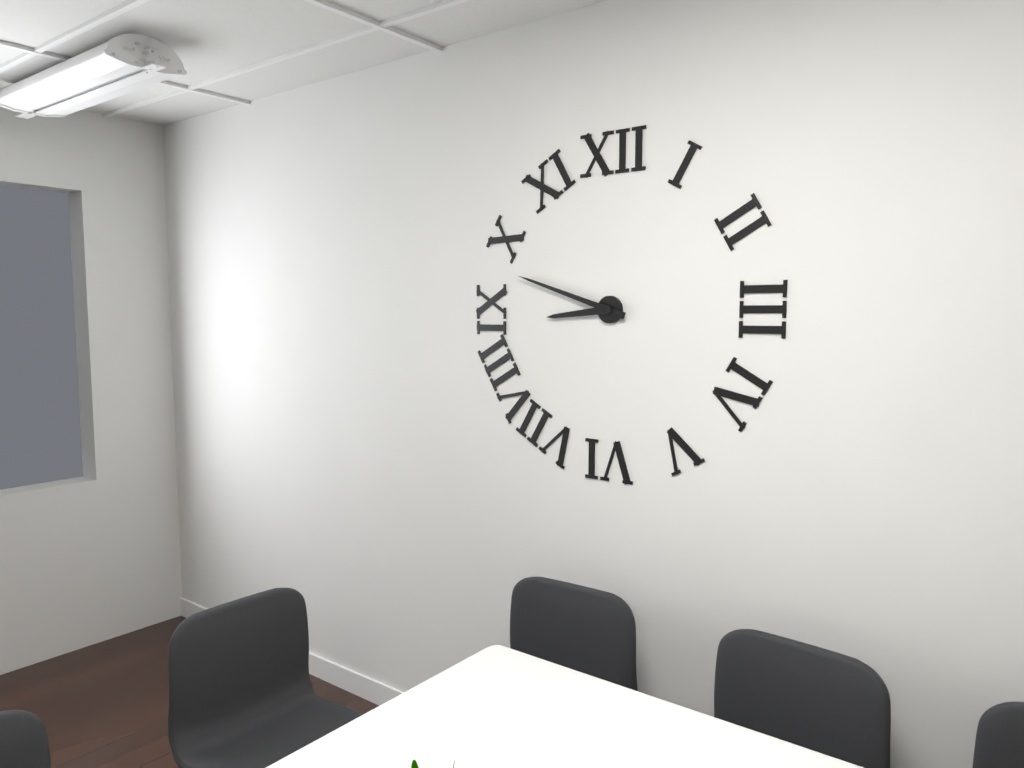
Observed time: **8:48**
